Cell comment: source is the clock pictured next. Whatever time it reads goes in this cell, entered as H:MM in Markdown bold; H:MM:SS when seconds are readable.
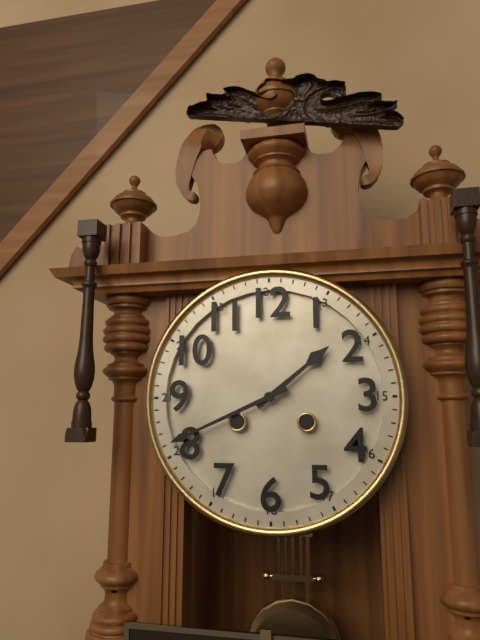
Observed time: **1:41**
